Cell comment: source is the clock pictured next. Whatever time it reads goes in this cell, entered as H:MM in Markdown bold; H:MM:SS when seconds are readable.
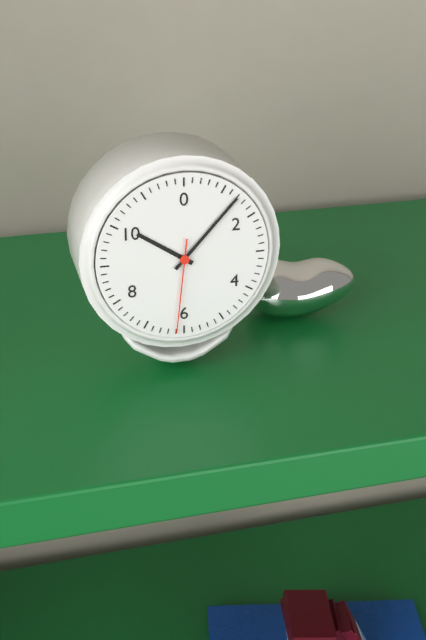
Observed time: **10:07:31**
